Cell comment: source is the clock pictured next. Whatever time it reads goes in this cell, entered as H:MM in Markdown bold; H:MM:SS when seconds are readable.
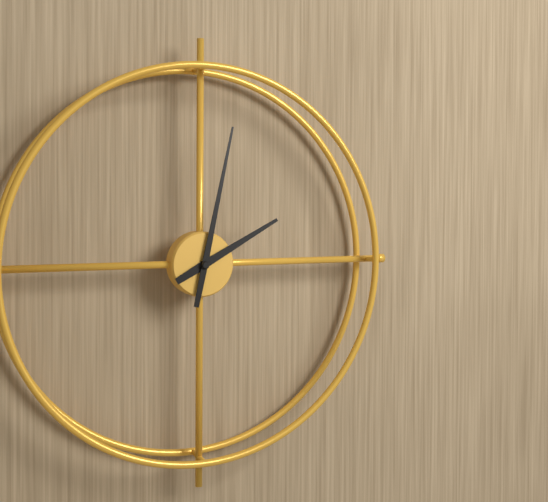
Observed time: **2:02**
